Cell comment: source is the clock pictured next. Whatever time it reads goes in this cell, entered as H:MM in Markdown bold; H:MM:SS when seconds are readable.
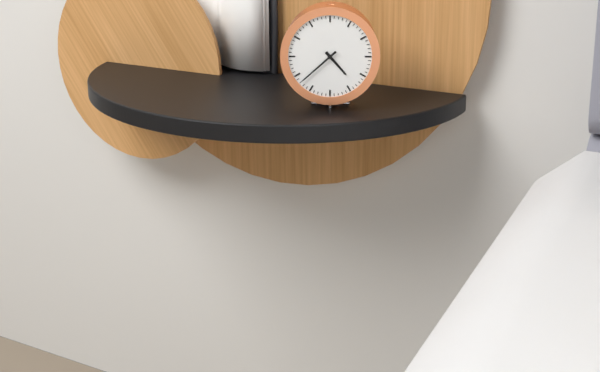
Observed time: **4:38**
